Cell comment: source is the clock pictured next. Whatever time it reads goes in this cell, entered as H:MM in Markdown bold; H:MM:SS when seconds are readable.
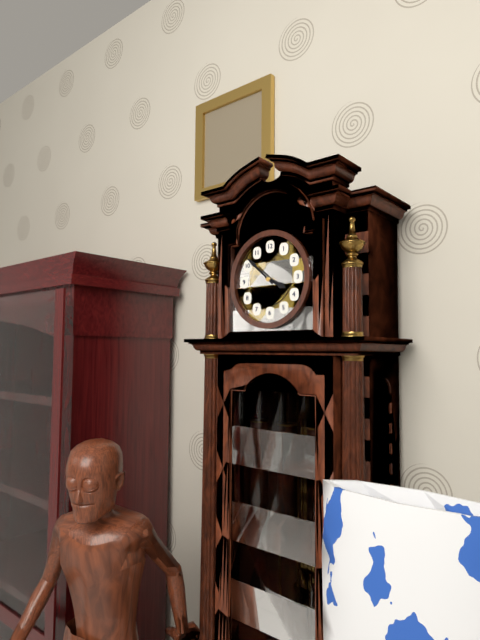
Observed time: **3:52**
